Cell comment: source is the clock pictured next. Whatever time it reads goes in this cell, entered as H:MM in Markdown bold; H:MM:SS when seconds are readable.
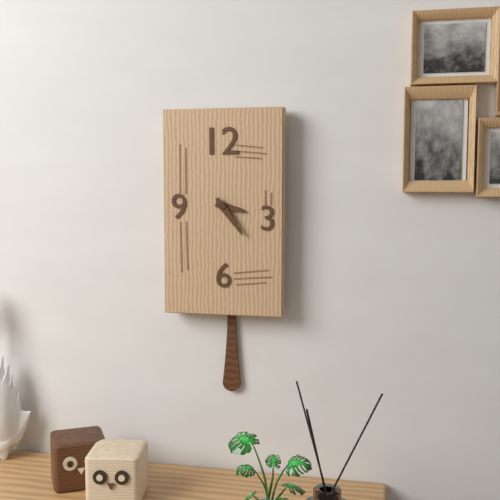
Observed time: **3:24**
